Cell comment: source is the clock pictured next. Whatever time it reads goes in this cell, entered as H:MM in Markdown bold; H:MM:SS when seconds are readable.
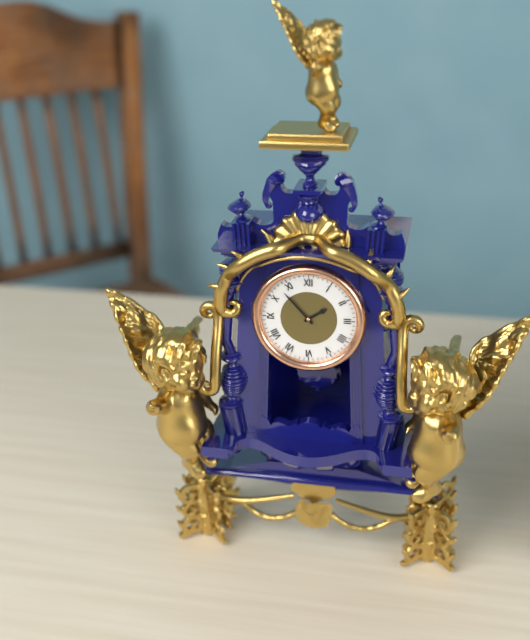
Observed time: **1:53**
